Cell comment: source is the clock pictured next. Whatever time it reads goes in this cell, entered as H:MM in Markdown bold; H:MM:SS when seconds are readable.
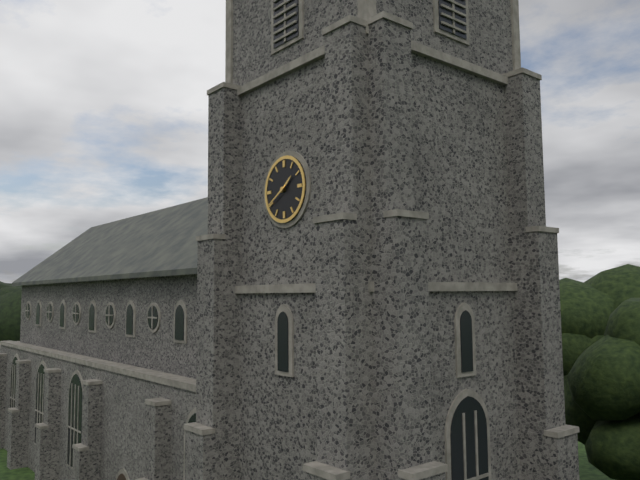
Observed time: **1:40**
